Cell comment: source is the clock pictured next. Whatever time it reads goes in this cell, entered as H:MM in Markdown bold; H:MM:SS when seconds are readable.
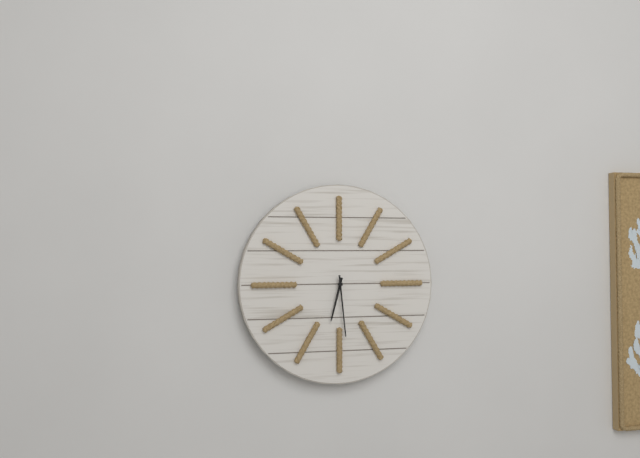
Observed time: **6:29**
